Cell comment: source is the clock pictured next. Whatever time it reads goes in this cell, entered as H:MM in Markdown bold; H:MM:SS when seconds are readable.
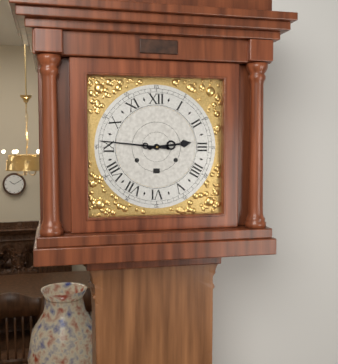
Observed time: **2:46**
